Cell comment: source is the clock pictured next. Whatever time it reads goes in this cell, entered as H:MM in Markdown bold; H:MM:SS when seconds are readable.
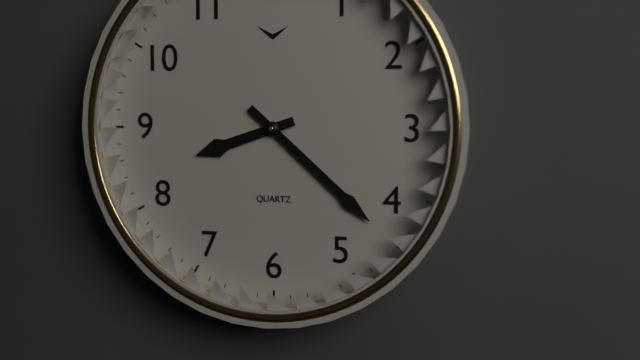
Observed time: **8:22**
